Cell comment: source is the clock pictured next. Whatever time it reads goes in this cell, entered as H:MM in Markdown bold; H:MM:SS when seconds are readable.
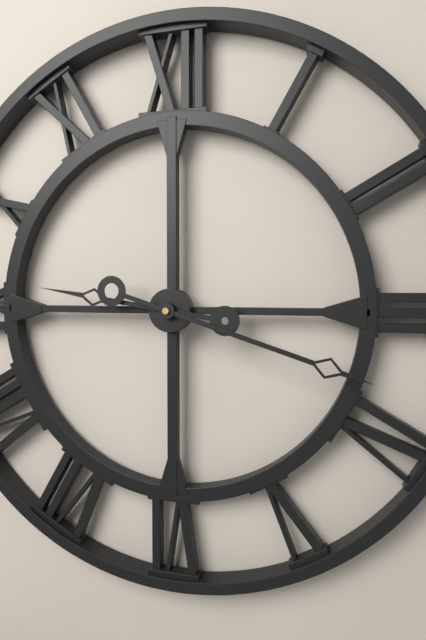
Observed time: **9:18**
